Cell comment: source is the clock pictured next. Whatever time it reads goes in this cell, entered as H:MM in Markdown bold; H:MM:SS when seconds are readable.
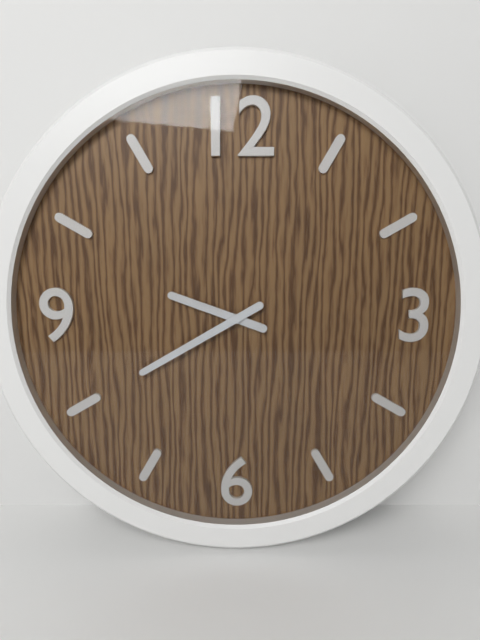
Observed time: **9:40**
